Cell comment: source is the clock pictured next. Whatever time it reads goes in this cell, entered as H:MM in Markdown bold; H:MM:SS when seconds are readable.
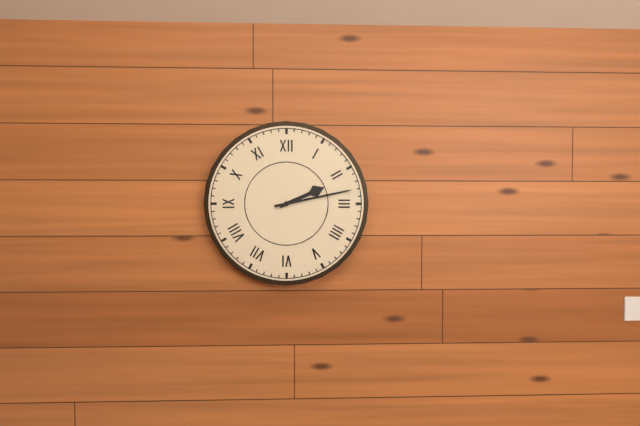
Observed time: **2:13**
